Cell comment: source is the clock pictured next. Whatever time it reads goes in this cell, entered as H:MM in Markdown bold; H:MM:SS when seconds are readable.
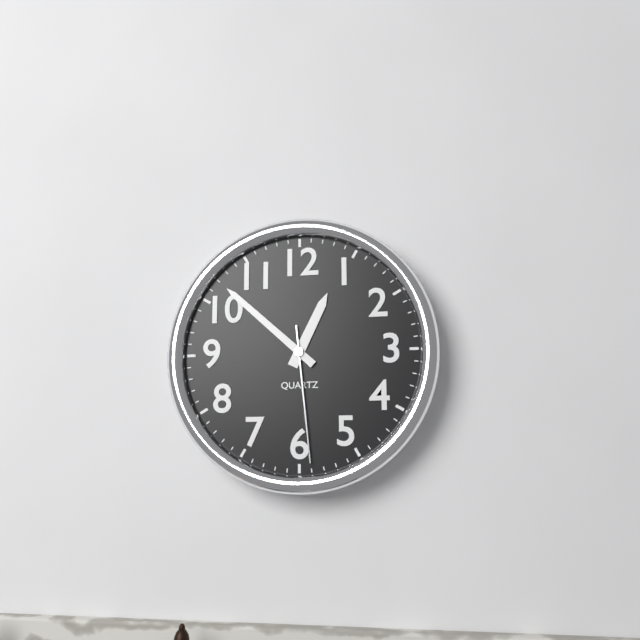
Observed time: **12:52:29**
